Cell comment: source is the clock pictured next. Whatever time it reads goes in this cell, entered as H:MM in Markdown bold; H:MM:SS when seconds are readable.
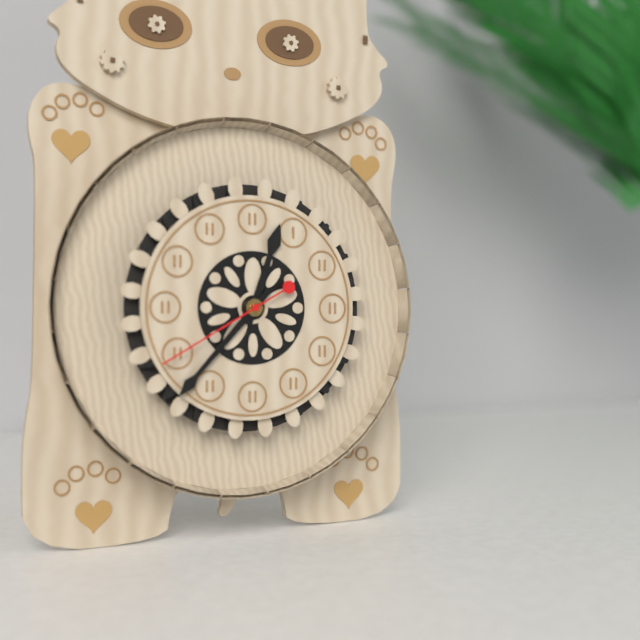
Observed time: **12:37:40**
